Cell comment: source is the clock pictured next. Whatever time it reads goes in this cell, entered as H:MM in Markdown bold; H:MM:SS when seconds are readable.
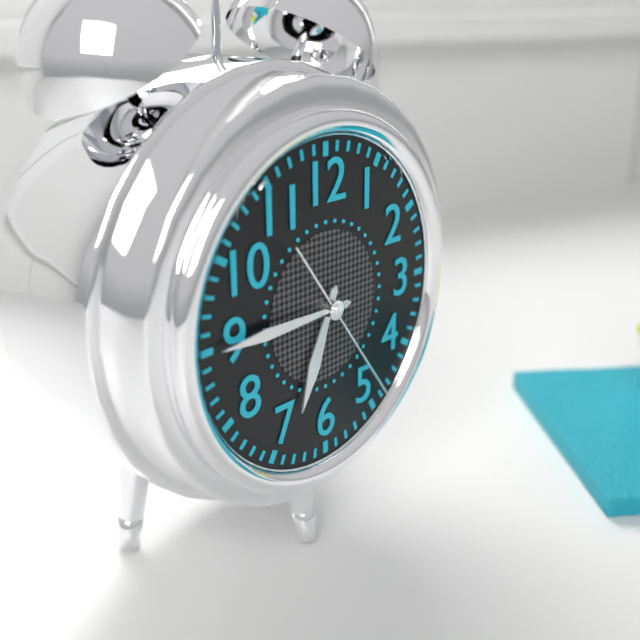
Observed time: **6:45:24**
